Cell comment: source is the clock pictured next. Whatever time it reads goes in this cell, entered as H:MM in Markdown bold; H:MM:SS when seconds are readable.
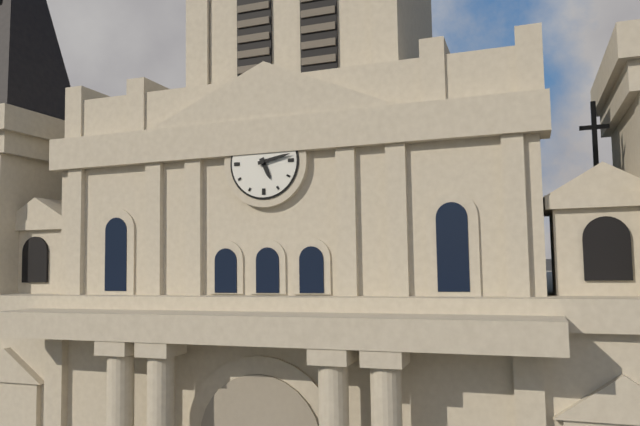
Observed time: **5:13**
